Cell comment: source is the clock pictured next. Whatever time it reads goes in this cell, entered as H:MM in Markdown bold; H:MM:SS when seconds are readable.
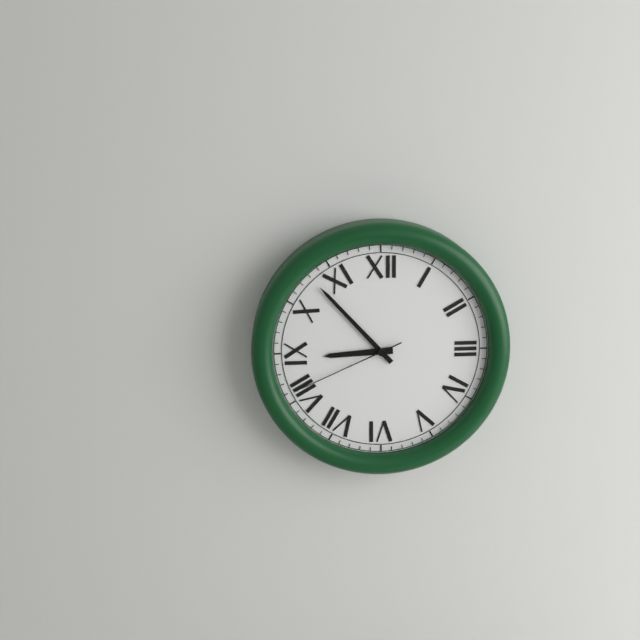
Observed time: **8:53:41**
